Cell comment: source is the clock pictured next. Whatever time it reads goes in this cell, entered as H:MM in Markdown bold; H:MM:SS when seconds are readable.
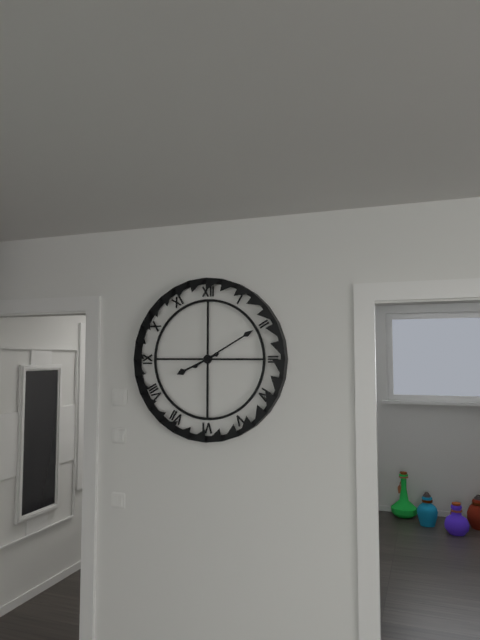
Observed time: **8:10**
